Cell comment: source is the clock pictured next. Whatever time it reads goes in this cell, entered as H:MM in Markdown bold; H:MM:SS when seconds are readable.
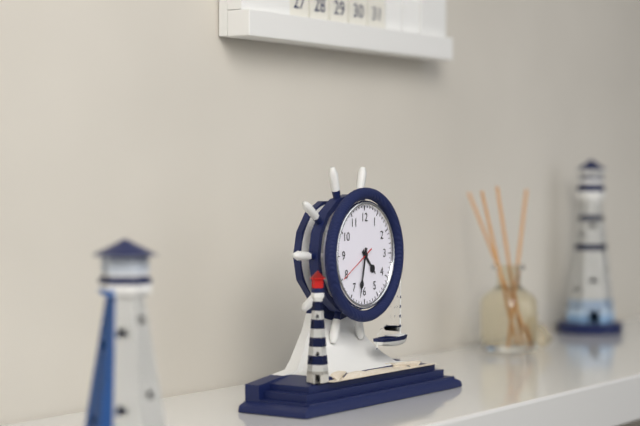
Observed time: **4:32**
